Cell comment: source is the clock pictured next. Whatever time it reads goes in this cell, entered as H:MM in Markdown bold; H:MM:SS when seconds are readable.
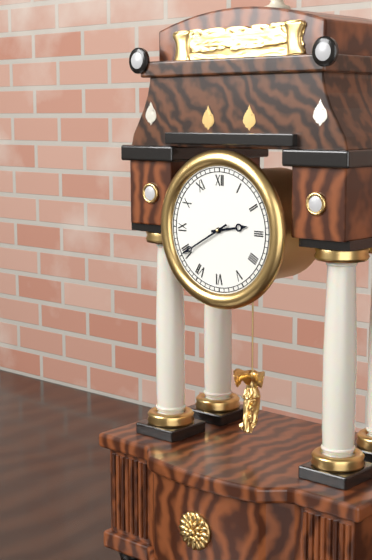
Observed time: **2:40**
